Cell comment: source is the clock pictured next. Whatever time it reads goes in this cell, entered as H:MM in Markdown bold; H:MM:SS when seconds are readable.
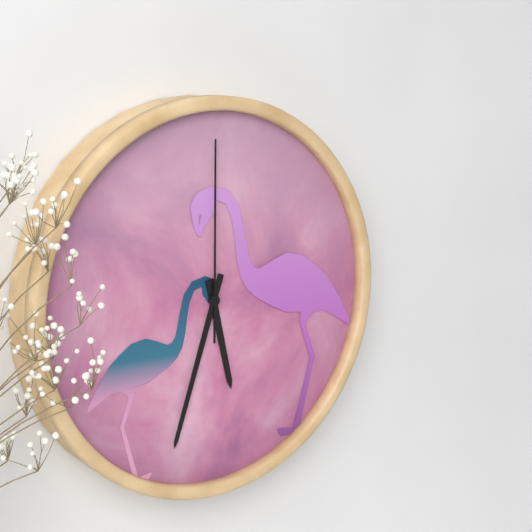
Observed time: **5:33:00**
